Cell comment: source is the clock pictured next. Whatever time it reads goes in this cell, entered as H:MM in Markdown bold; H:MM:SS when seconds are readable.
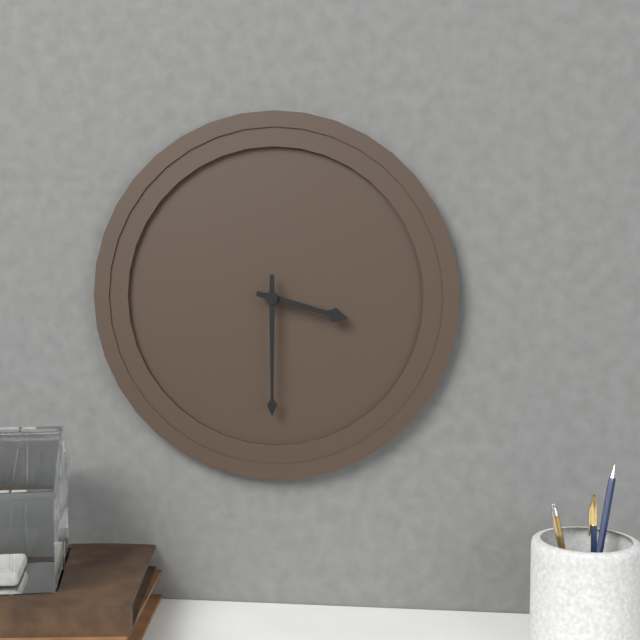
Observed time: **3:30**
